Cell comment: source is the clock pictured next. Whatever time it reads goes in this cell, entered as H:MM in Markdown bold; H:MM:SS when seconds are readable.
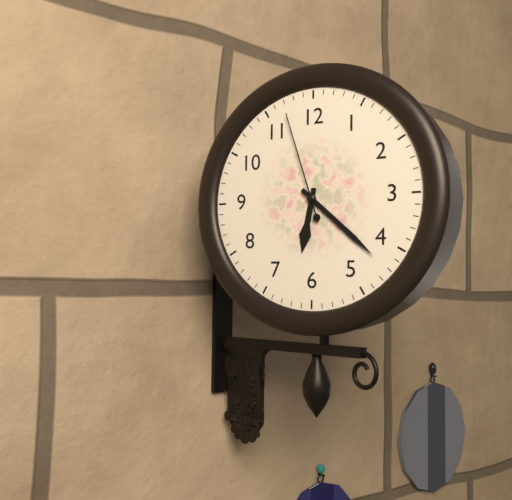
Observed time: **6:22:57**
